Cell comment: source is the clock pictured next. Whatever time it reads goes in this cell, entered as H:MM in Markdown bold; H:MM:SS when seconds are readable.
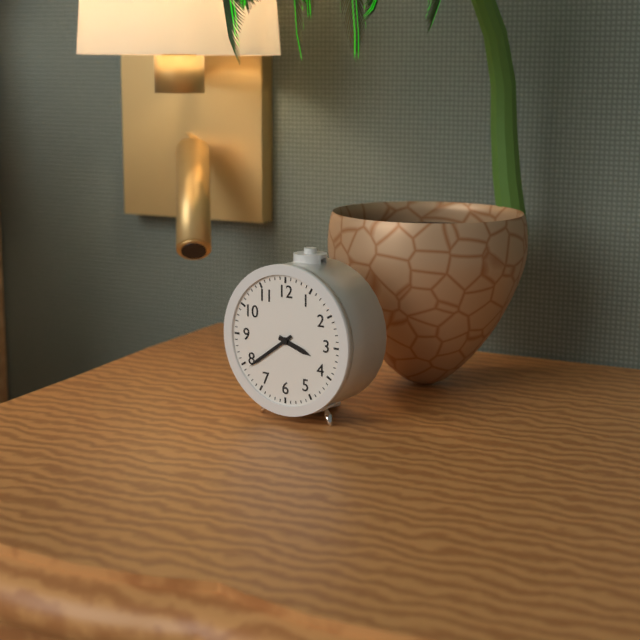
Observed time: **3:39**
